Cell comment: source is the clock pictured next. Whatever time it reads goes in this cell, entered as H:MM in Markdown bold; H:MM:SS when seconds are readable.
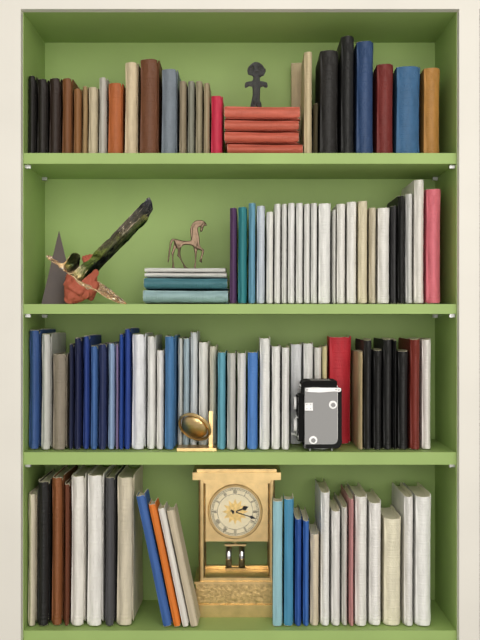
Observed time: **2:18**
